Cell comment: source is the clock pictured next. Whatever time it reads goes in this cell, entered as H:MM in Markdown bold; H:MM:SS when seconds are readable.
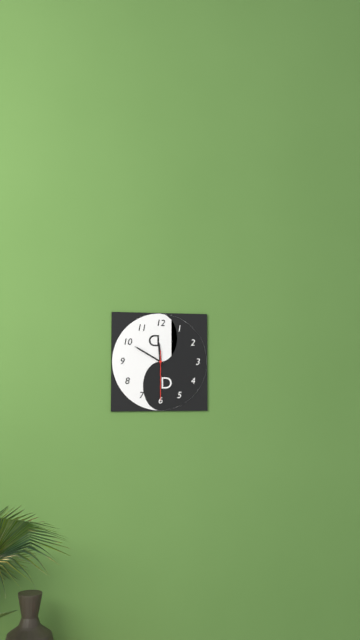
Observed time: **11:50**
